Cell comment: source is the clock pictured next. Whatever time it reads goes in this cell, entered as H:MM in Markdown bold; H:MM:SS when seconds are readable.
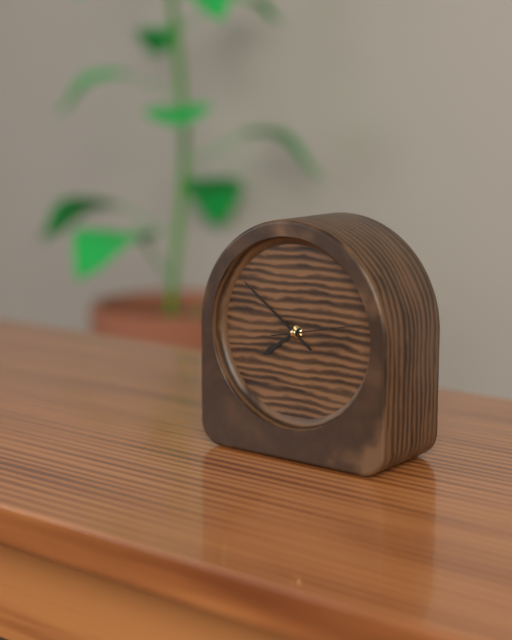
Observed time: **7:51:13**
